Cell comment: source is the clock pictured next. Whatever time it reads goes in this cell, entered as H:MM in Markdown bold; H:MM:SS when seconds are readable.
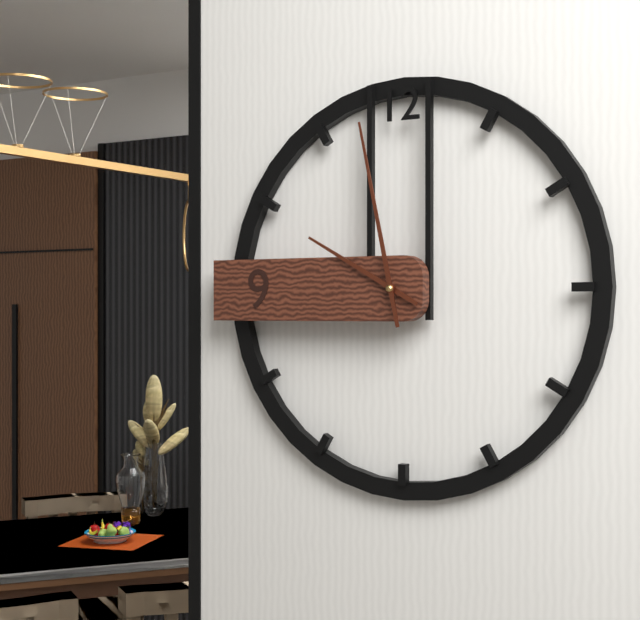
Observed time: **9:58**
